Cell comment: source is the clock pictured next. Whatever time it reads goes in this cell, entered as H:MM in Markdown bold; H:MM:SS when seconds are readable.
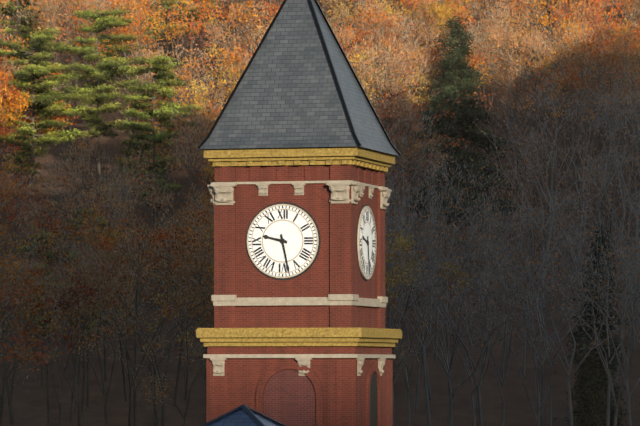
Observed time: **9:28**
